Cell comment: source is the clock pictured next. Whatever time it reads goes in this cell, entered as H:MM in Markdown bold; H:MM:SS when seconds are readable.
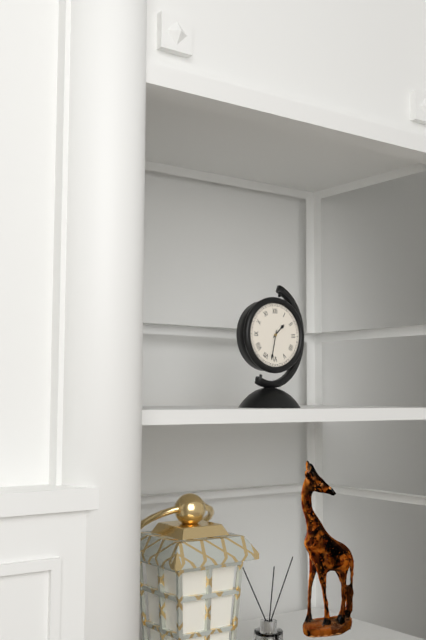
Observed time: **1:32**
